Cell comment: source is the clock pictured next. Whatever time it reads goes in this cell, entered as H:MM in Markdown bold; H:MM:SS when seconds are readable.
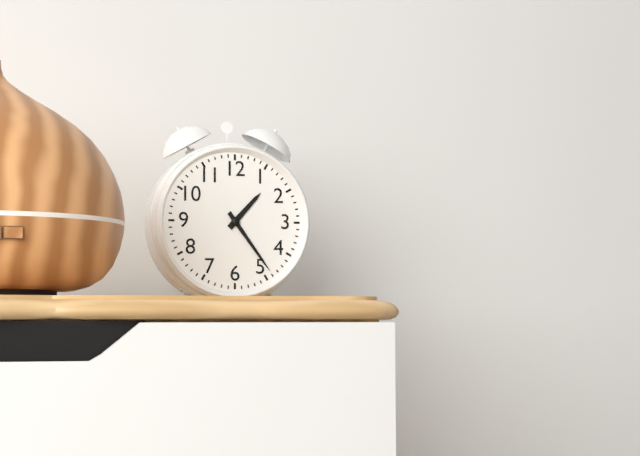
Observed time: **1:24**
